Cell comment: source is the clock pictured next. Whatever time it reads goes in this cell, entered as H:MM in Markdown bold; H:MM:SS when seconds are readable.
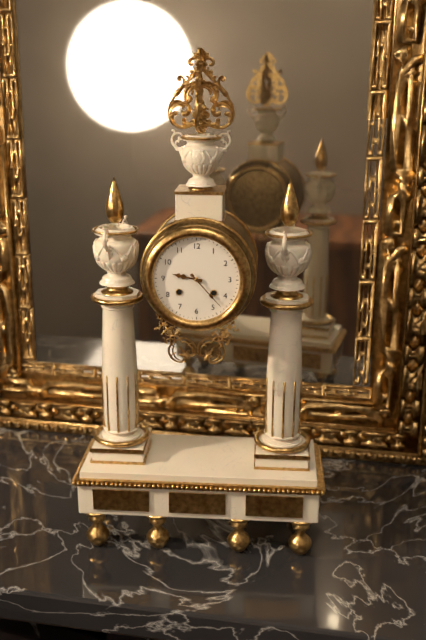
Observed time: **9:23**
